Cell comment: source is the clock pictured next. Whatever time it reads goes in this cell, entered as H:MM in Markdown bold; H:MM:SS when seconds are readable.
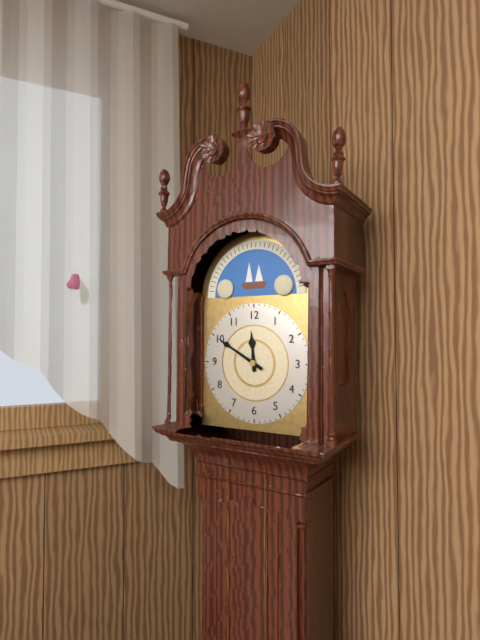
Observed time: **11:50**
